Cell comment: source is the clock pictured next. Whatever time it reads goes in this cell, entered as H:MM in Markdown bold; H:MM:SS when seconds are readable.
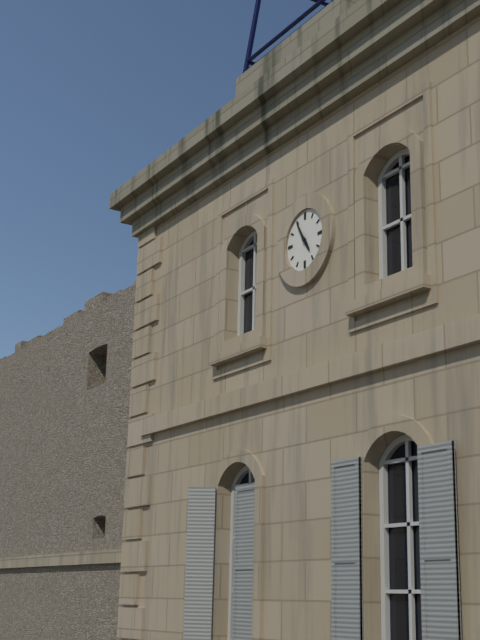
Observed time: **4:55**
